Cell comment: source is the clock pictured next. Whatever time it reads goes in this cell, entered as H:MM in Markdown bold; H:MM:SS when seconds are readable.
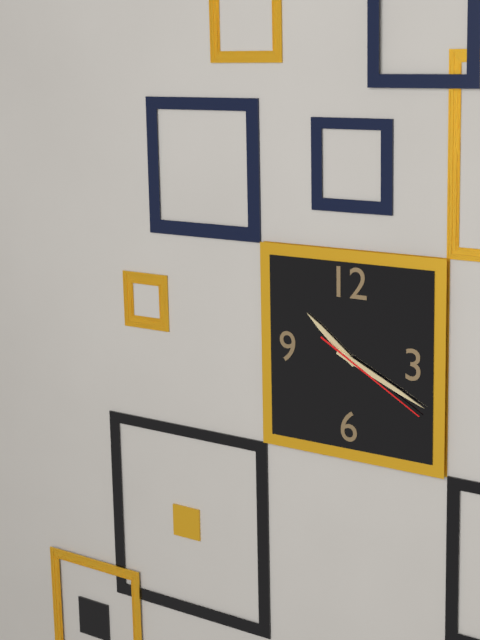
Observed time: **10:19:20**
